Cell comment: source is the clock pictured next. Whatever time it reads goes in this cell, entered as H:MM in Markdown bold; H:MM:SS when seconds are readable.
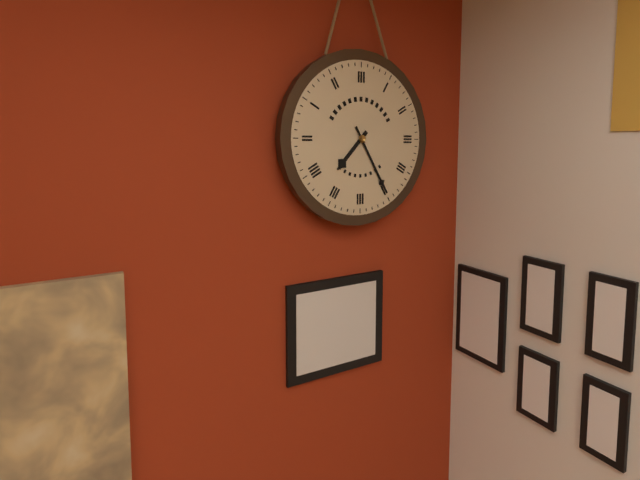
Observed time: **7:25**
